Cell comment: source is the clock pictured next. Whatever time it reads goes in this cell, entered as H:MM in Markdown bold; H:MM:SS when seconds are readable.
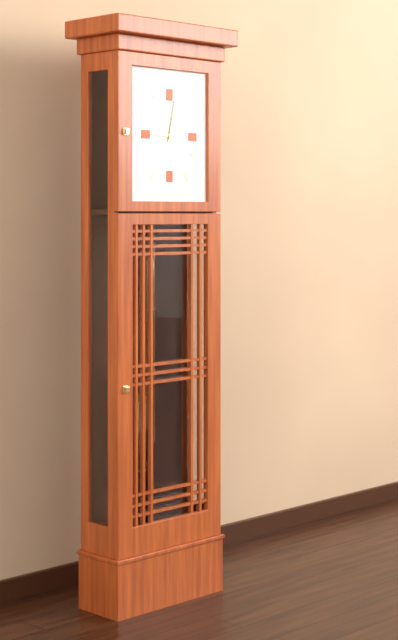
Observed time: **9:02**
